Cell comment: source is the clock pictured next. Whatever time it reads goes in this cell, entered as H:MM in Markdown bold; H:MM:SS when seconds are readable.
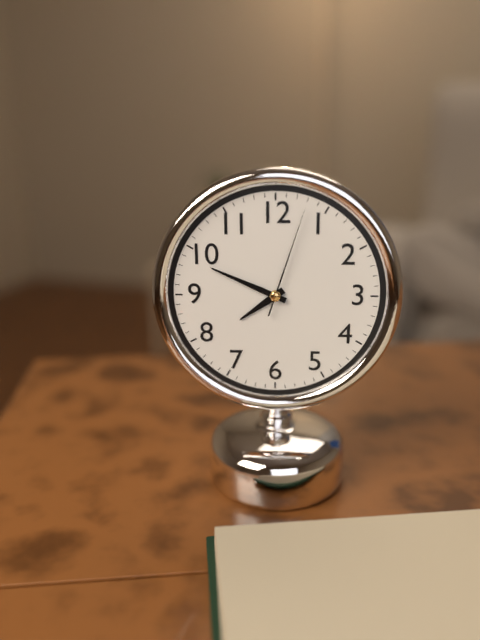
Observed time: **7:49:03**
